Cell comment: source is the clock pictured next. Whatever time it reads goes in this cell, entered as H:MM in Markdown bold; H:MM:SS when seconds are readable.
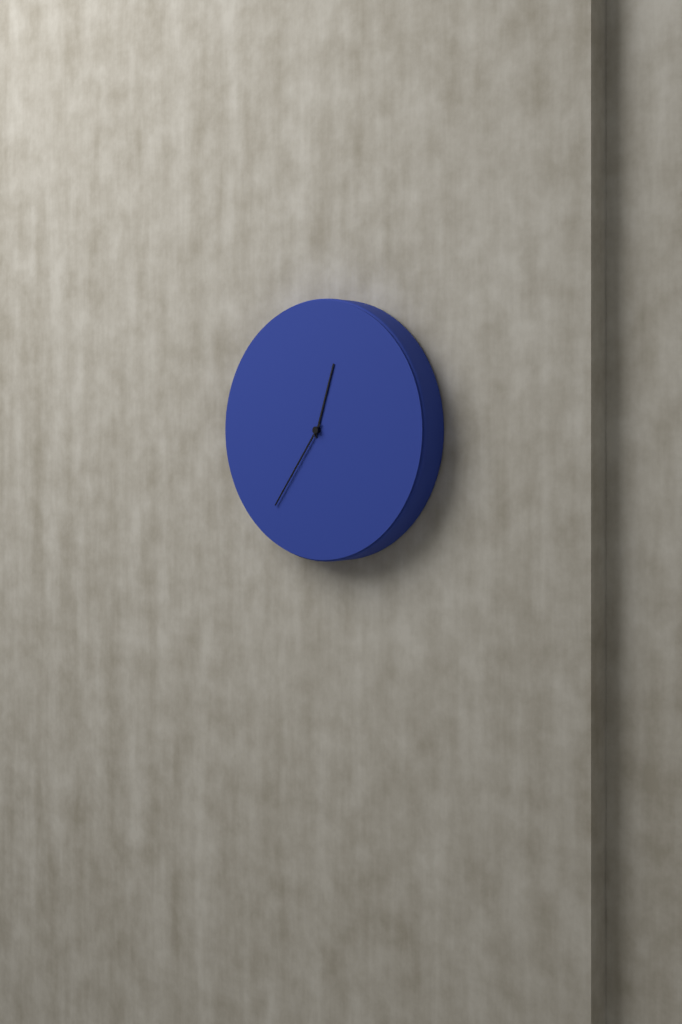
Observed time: **12:36**
